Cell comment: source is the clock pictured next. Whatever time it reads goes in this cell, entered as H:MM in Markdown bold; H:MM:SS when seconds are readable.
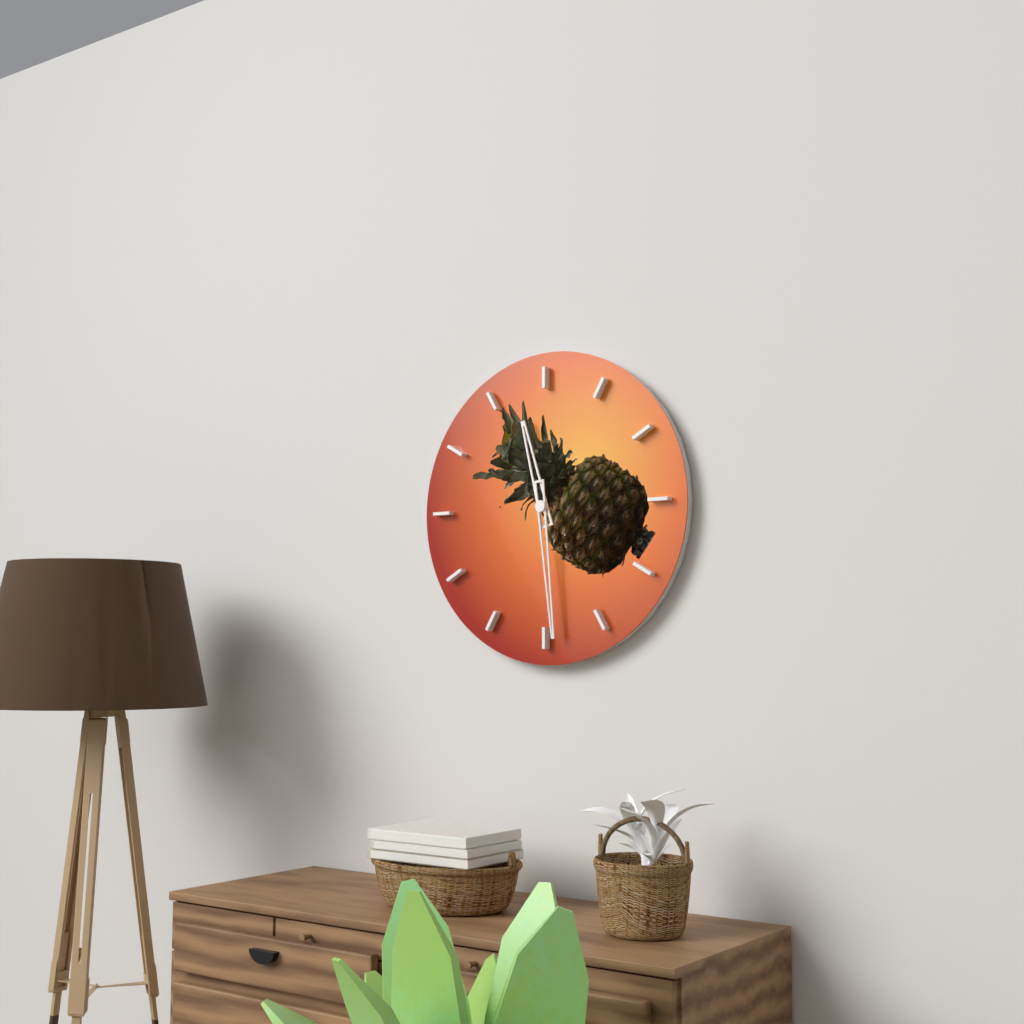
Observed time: **11:29**
